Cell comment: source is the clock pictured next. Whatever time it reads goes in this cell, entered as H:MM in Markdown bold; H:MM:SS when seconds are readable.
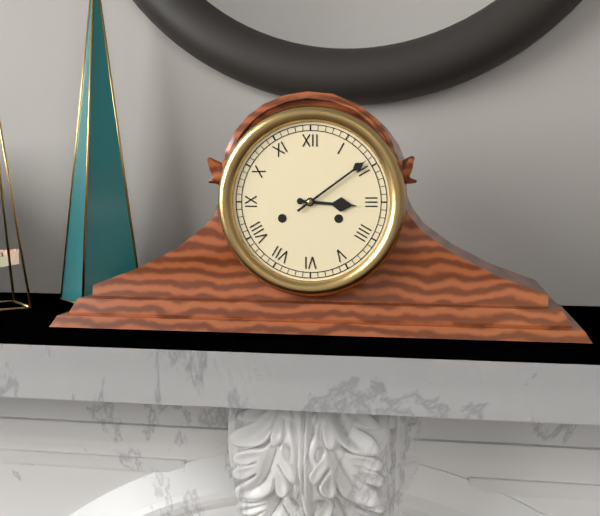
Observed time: **3:09**
